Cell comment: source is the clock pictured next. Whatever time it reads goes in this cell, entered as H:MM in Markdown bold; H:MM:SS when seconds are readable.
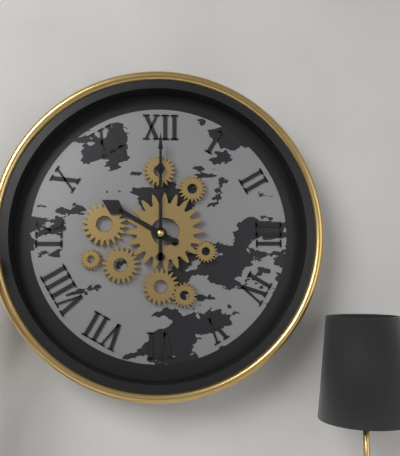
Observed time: **10:00**
